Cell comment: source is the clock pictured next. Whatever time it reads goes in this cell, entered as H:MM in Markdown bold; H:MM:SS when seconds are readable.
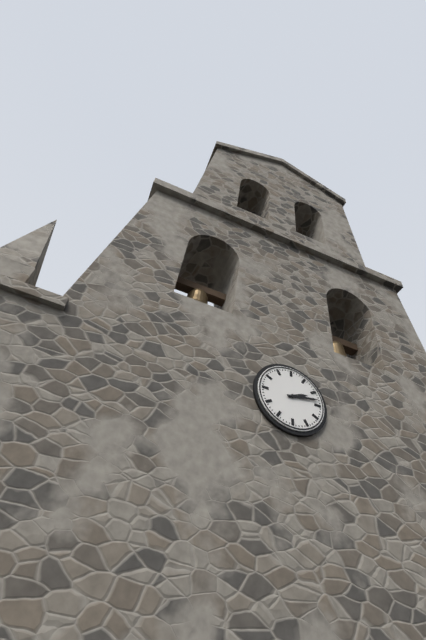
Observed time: **2:13**
